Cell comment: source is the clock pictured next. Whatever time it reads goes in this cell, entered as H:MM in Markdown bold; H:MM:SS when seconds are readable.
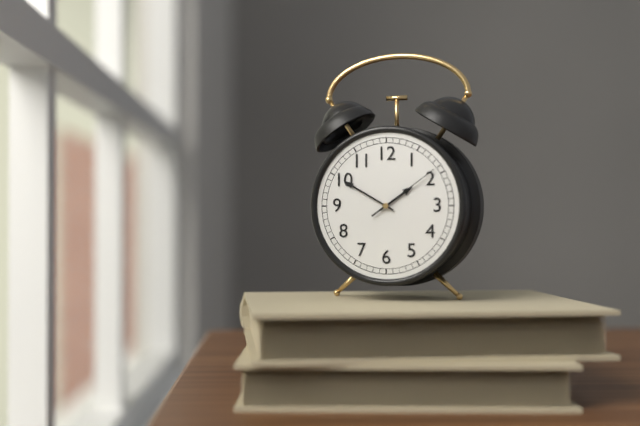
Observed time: **1:50:09**
